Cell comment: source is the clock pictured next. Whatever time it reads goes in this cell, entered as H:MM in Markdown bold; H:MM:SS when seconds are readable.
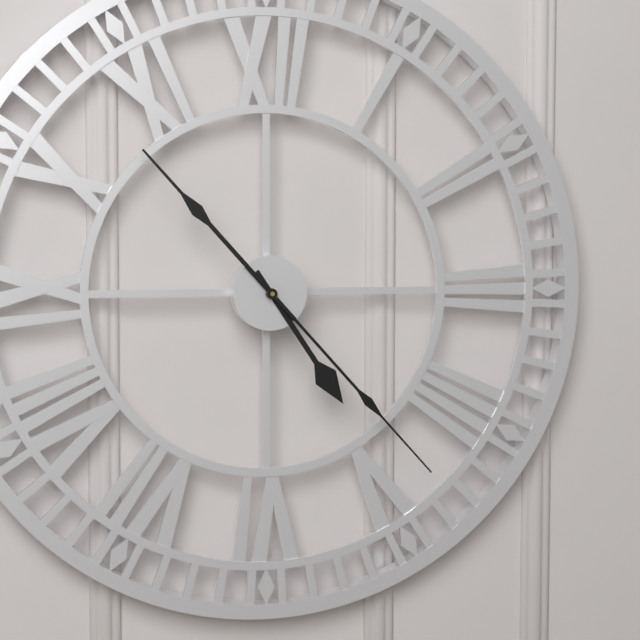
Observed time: **4:53:23**
